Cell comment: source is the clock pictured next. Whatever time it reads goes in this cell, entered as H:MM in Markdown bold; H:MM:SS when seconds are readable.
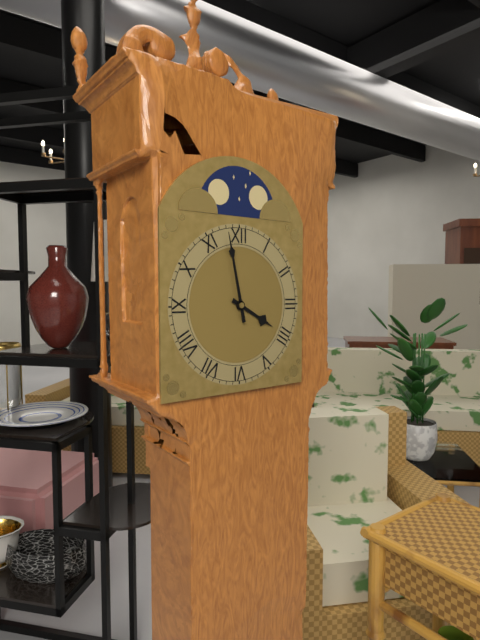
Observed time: **3:58**
